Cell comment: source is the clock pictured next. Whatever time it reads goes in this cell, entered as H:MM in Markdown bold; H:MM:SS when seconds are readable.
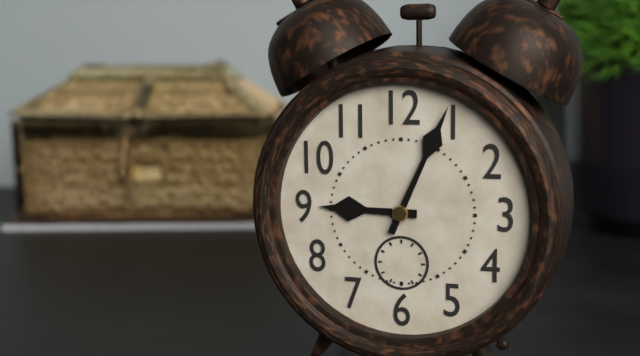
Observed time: **9:04**
